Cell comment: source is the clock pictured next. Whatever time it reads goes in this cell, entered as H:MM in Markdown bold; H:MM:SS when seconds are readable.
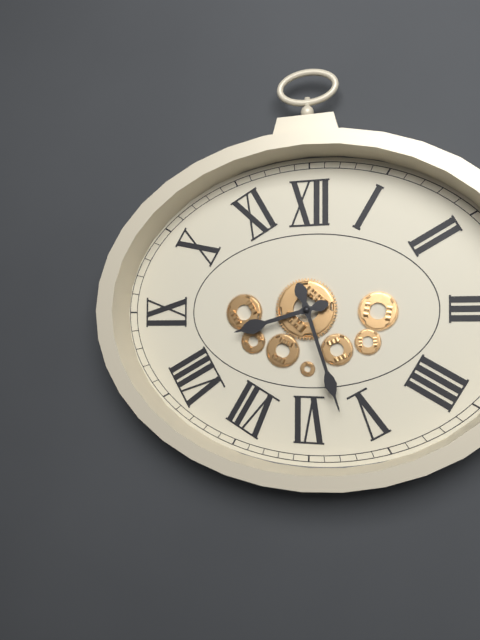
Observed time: **8:27**
